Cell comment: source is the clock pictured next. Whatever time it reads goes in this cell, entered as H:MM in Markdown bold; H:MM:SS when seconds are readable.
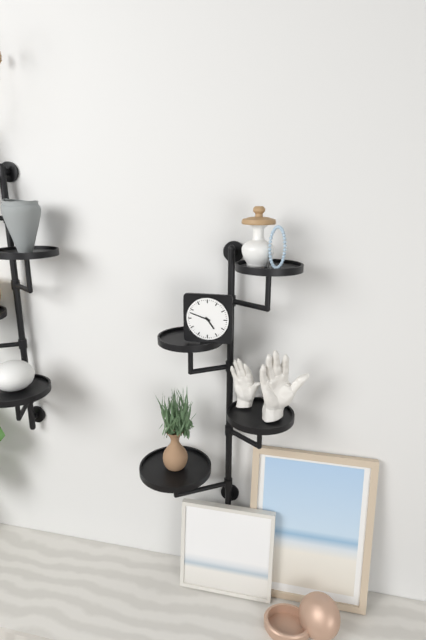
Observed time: **4:48**
